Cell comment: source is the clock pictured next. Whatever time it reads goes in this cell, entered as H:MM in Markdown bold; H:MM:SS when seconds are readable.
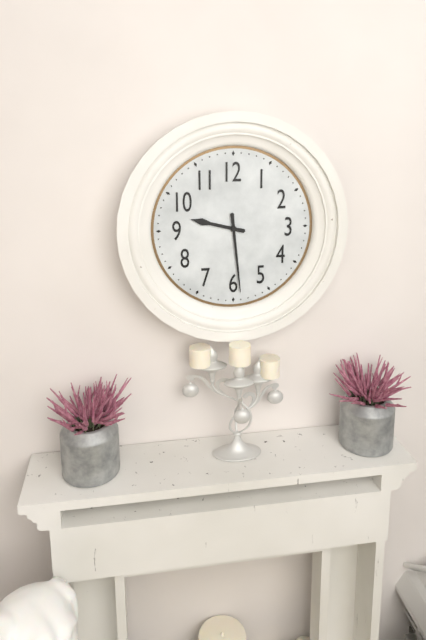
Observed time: **9:29**
